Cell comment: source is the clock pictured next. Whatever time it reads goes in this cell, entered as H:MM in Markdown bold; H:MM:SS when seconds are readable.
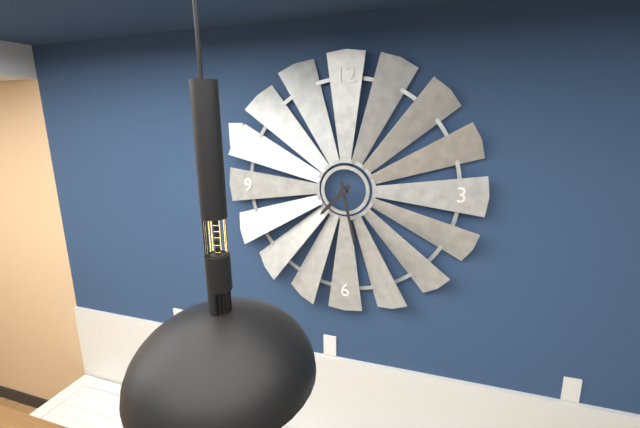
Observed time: **7:28**
